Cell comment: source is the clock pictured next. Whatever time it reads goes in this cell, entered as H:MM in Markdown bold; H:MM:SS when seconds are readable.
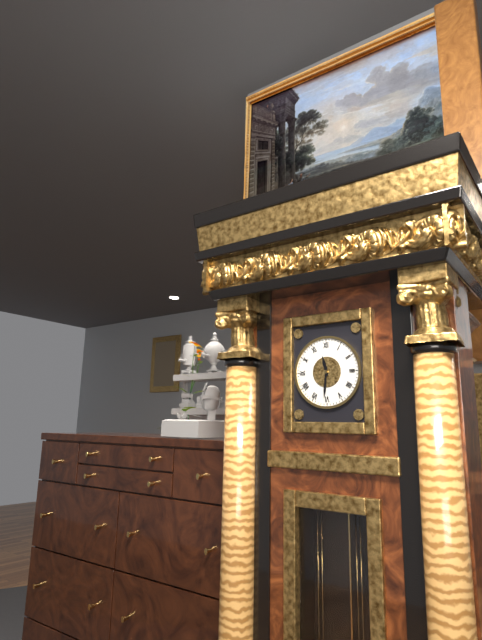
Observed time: **11:31**
